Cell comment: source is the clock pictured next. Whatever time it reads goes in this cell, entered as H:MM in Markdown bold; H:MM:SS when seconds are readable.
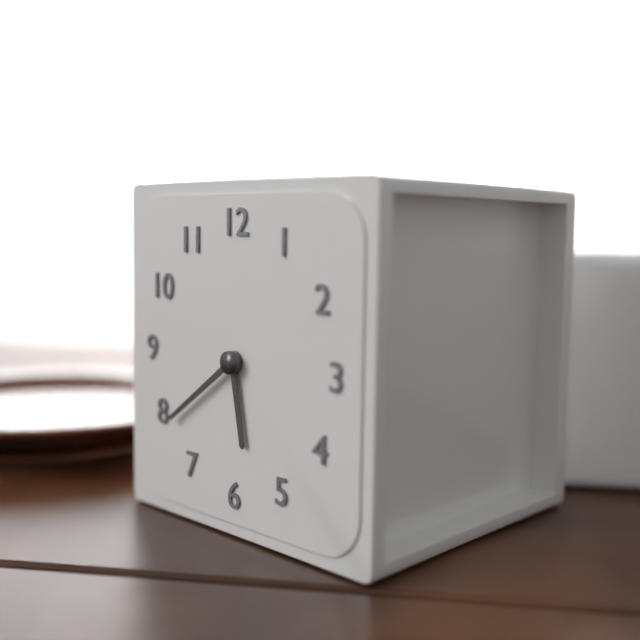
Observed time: **5:39**
